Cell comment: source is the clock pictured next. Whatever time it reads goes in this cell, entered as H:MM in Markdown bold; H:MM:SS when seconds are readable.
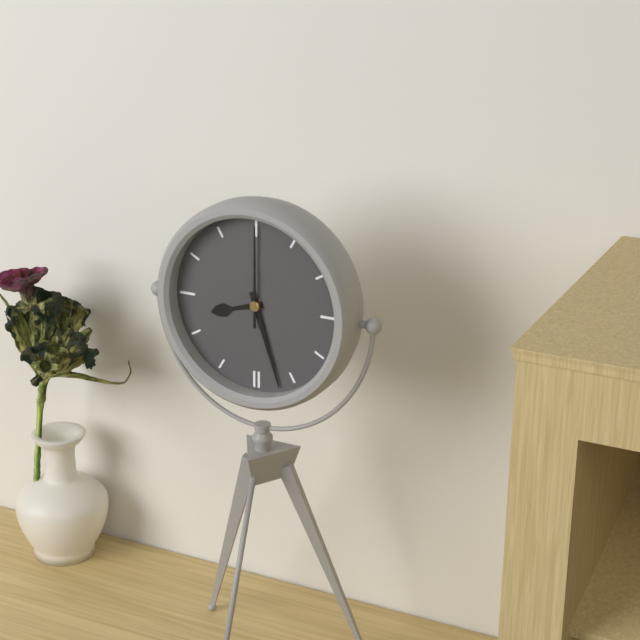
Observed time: **8:27:00**
